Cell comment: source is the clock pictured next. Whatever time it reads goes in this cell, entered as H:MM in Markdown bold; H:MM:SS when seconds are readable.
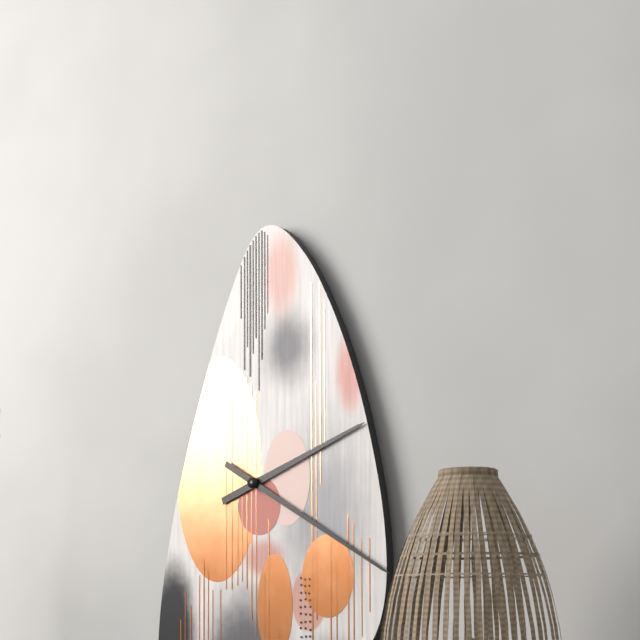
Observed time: **2:20**
